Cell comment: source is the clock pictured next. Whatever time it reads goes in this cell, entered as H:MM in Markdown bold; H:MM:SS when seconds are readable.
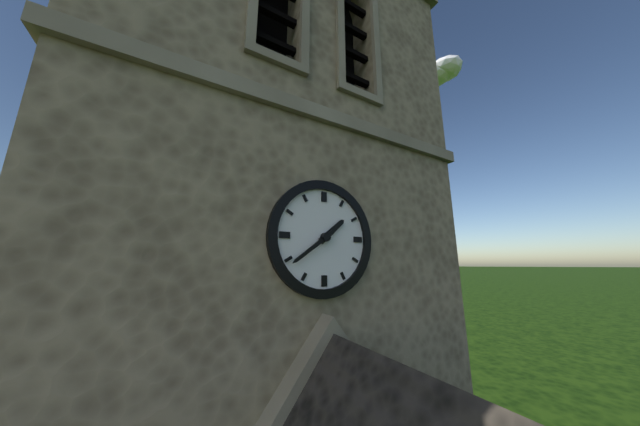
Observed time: **1:39**
